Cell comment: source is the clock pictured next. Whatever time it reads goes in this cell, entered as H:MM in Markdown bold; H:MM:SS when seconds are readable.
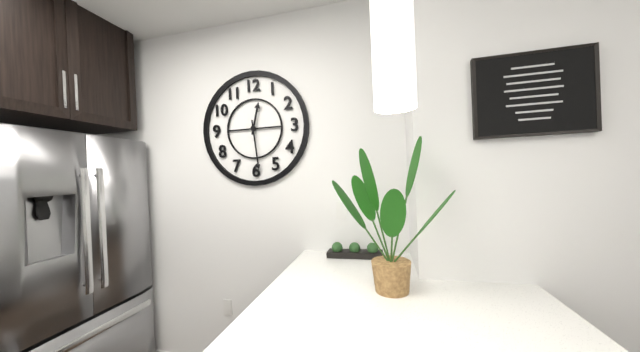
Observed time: **12:29**
